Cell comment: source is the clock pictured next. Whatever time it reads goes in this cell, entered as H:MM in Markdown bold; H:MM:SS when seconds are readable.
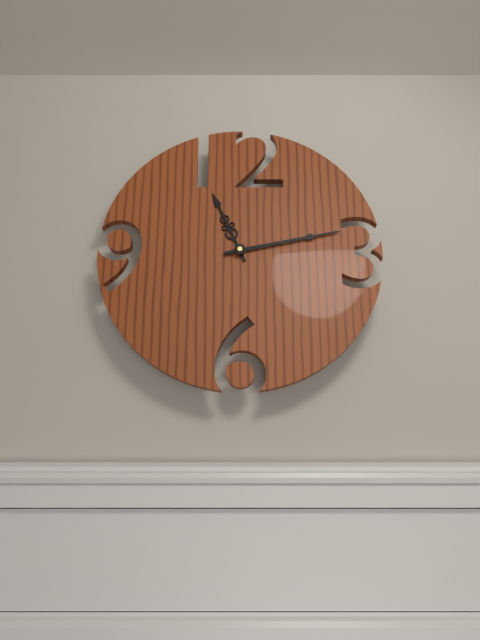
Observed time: **11:13**
